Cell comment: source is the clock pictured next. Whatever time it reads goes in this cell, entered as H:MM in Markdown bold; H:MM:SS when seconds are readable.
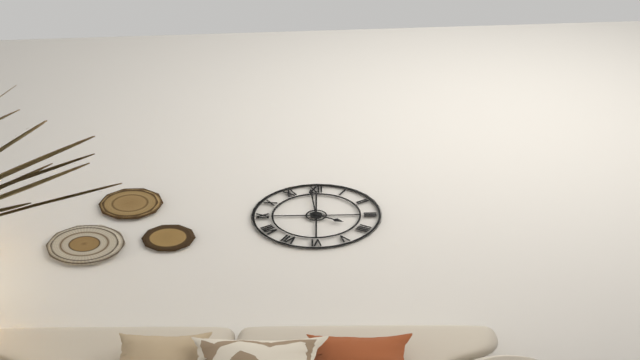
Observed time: **3:59**
